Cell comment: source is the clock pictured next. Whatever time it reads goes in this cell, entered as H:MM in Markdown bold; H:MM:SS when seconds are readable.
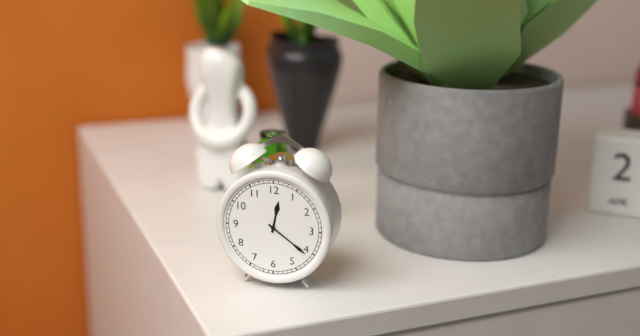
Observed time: **12:21**
